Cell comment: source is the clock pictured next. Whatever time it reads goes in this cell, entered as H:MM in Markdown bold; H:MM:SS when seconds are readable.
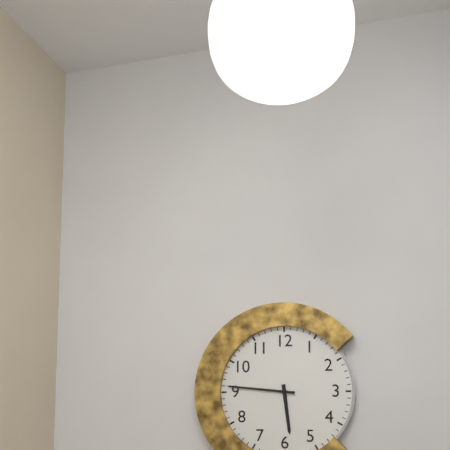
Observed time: **5:46**
